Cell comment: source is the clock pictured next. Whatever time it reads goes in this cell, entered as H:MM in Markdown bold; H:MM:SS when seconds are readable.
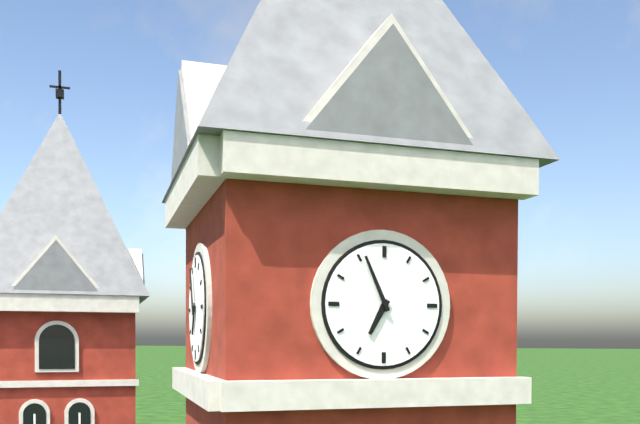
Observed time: **6:56**
